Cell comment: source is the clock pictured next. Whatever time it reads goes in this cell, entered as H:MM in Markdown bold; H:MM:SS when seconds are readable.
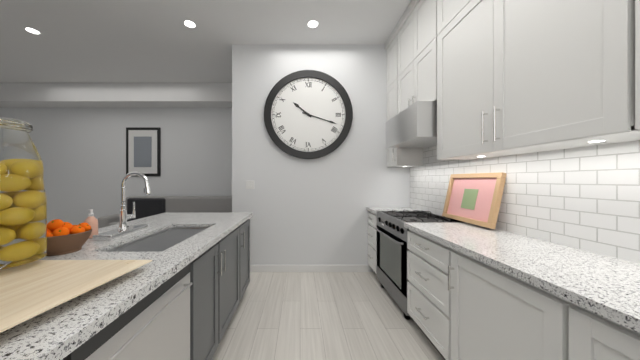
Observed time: **10:18**
